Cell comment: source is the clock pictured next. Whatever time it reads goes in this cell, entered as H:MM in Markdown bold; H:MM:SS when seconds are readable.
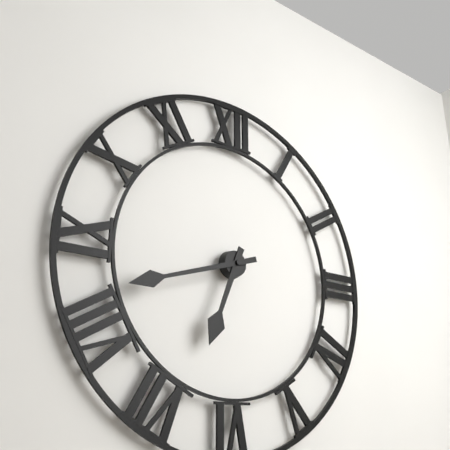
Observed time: **6:42**
